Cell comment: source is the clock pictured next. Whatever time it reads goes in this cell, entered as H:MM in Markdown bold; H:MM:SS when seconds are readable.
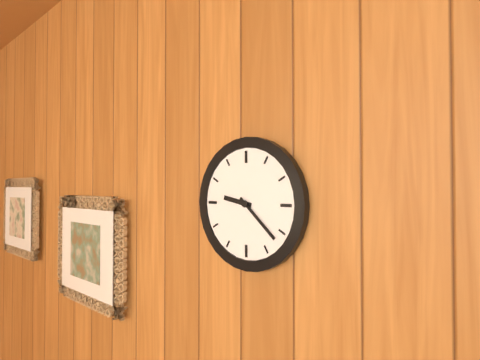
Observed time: **9:22**
